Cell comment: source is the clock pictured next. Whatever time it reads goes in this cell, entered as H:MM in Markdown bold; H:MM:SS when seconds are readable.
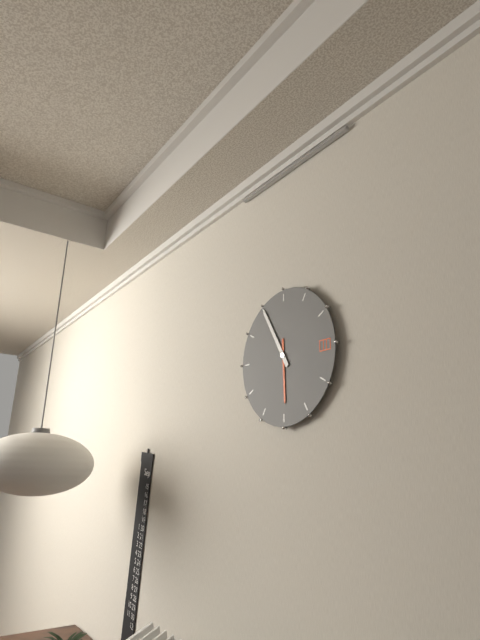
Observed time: **5:55**
